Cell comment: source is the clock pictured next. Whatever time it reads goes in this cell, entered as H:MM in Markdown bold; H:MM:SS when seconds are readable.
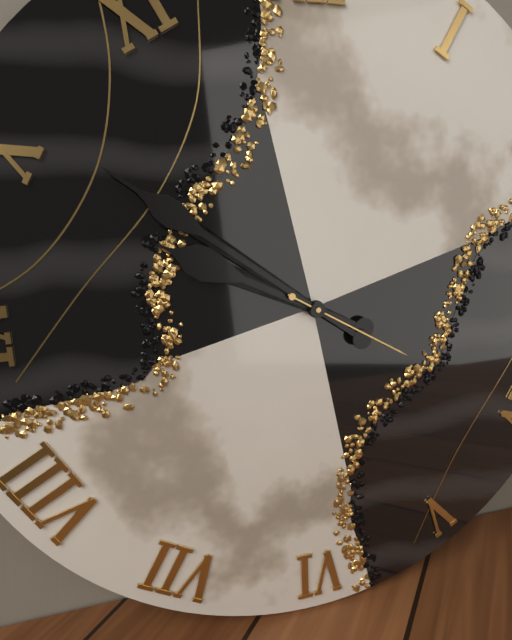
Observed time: **9:51:20**
